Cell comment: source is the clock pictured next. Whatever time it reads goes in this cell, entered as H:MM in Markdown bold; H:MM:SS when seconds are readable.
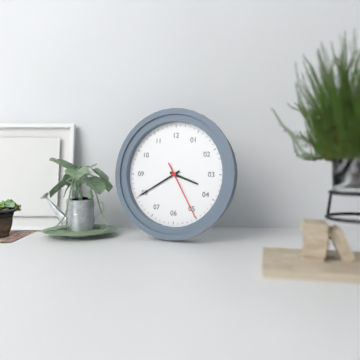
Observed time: **3:40:25**
